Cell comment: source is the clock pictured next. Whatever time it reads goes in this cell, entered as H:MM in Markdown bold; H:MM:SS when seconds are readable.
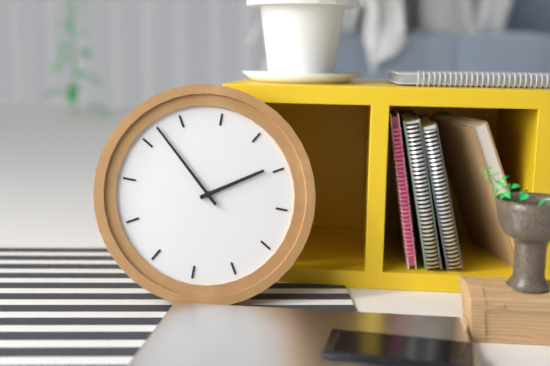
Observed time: **1:52**
